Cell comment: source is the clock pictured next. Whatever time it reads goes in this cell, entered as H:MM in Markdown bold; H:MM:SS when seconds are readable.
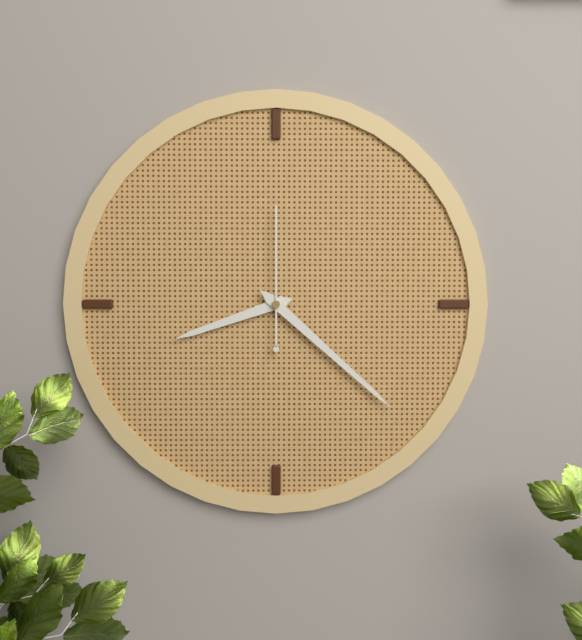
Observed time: **8:22:00**
